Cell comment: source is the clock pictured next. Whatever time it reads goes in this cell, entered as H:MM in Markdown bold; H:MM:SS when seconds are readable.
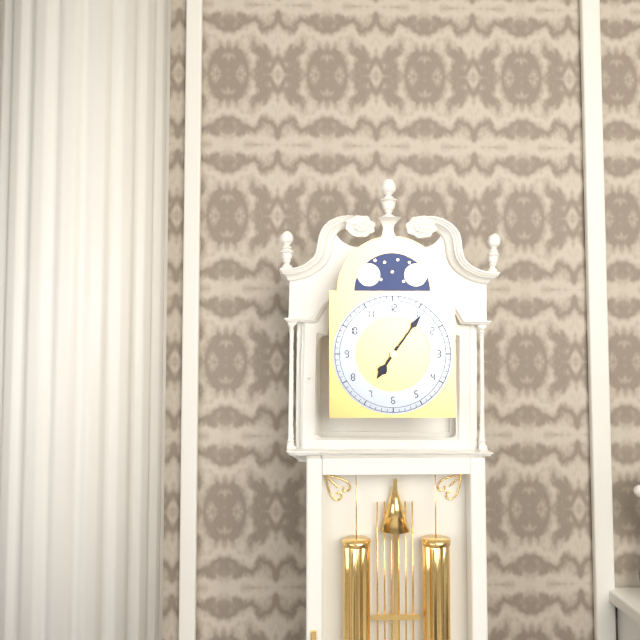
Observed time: **7:06**
